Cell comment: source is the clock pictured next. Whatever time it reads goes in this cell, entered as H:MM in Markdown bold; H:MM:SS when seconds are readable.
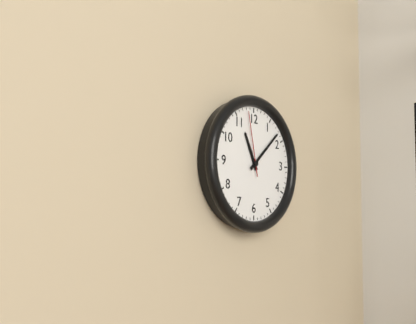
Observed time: **11:08:58**
